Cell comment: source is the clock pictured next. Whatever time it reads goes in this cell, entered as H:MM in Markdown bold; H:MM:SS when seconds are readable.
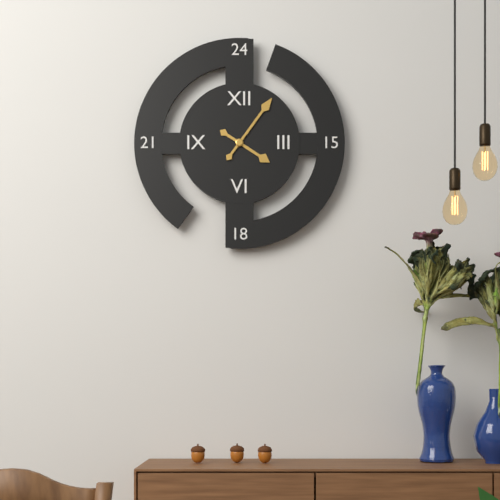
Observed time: **4:06**
